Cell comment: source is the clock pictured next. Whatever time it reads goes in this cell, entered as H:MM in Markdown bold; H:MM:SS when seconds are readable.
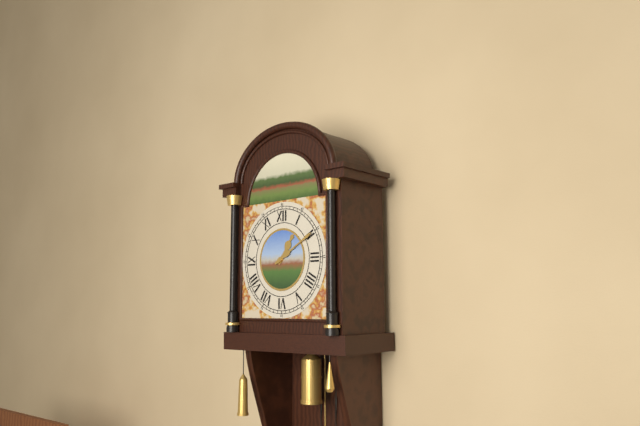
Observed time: **1:10**
